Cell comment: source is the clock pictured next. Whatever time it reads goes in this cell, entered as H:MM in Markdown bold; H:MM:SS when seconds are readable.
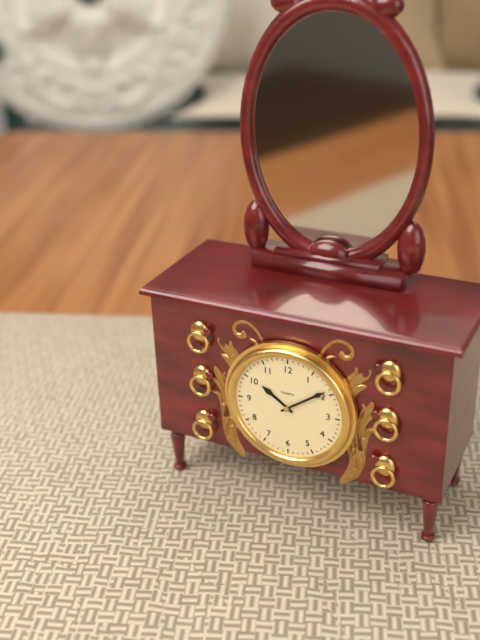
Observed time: **10:09**
